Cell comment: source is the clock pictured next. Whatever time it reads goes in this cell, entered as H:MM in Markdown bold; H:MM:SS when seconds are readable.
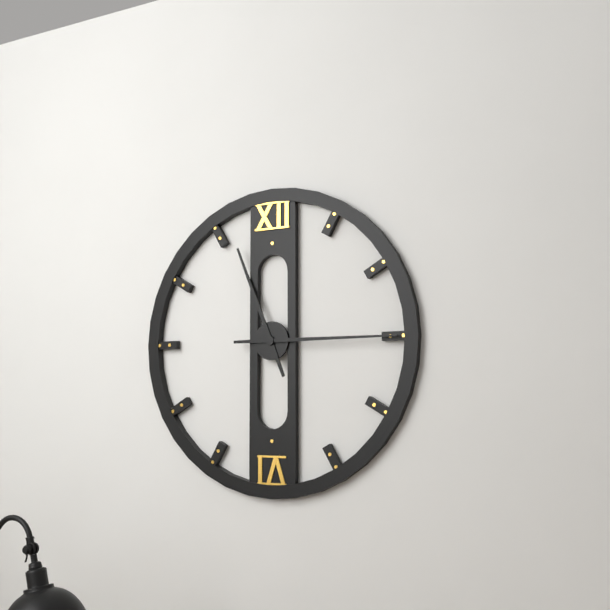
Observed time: **11:15**
